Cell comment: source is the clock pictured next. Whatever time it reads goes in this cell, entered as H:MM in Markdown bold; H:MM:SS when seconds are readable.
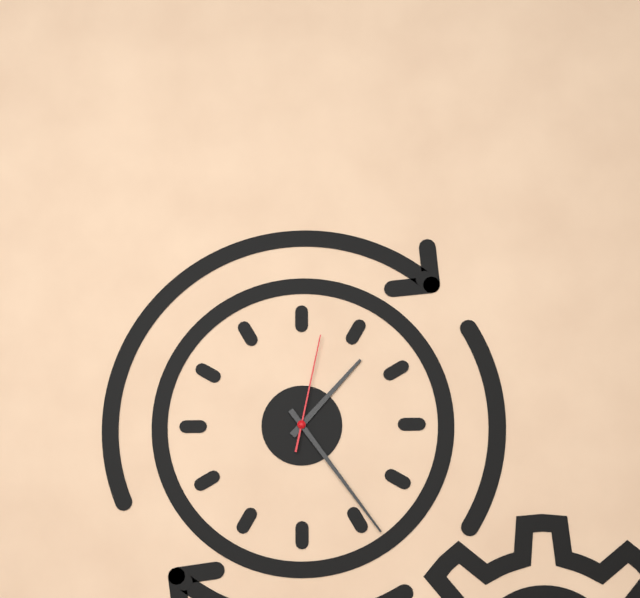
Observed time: **1:24:02**
